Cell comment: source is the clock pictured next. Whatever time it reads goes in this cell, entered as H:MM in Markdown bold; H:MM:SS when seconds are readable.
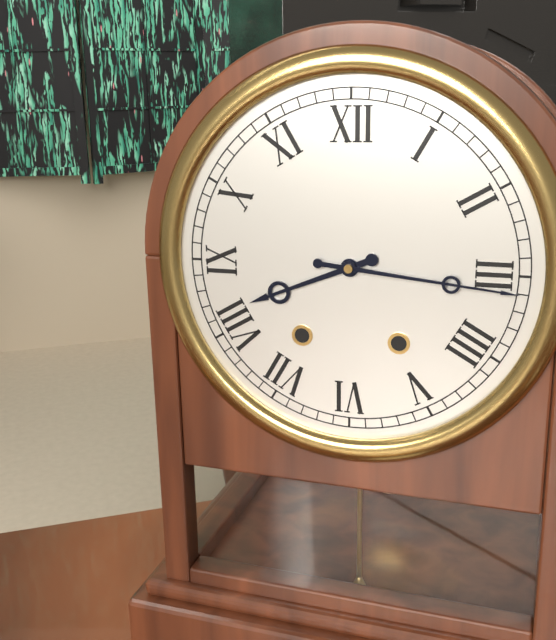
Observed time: **8:16**
